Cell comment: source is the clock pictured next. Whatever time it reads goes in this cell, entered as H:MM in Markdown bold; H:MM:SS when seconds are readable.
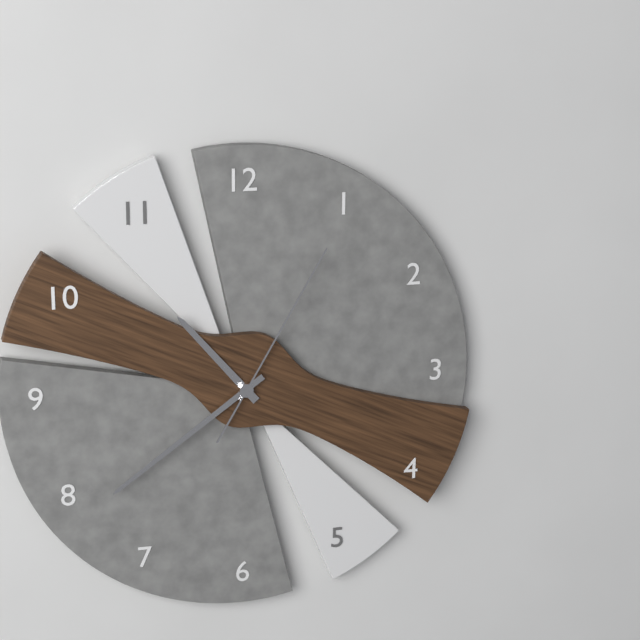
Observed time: **10:39:05**
